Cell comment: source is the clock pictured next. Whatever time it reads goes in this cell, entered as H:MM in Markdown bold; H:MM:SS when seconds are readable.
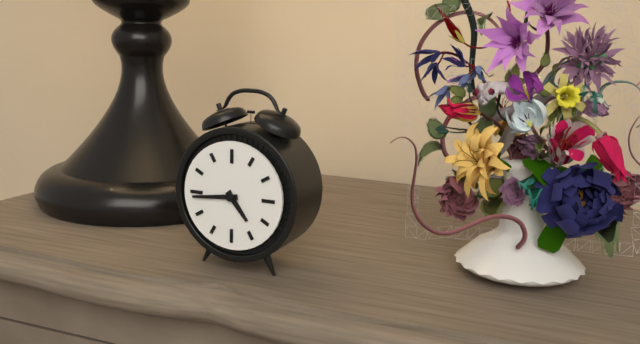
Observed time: **4:44**
